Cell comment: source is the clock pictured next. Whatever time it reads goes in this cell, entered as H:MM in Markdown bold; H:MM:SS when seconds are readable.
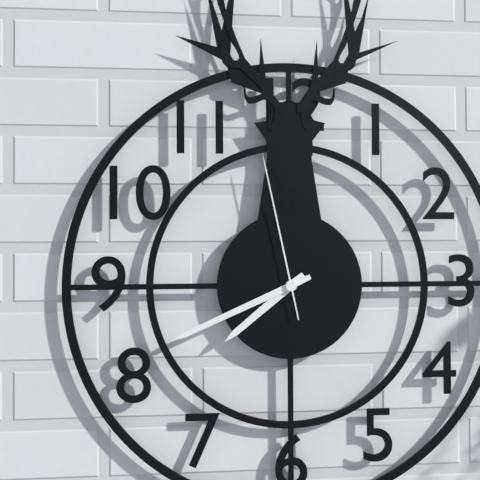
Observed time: **7:41:58**
